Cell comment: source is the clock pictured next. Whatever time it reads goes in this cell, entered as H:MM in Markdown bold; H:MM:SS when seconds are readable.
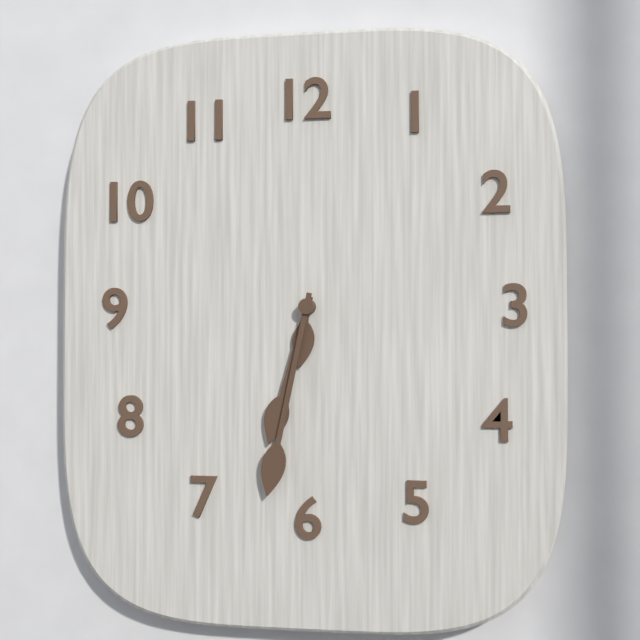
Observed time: **6:32**
